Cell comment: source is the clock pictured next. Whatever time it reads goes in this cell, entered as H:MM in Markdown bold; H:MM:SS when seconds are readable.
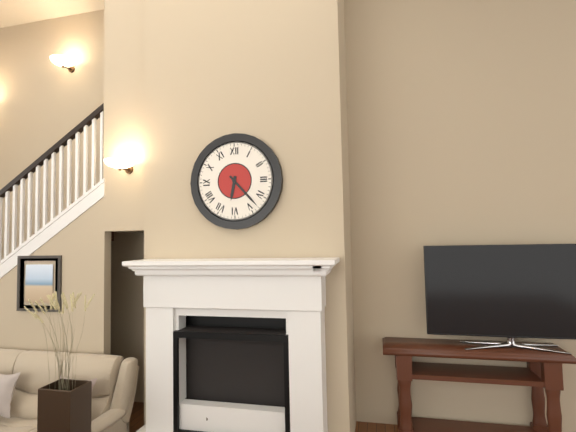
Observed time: **6:23**
